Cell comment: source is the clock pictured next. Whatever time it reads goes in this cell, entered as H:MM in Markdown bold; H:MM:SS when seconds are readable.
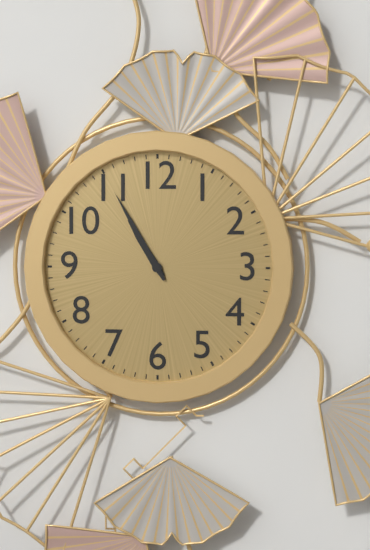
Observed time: **10:55**
